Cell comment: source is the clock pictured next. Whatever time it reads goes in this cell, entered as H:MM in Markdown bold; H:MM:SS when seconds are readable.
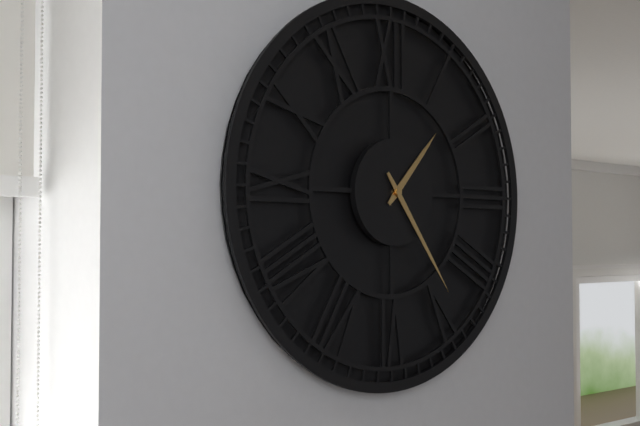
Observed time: **1:24**
